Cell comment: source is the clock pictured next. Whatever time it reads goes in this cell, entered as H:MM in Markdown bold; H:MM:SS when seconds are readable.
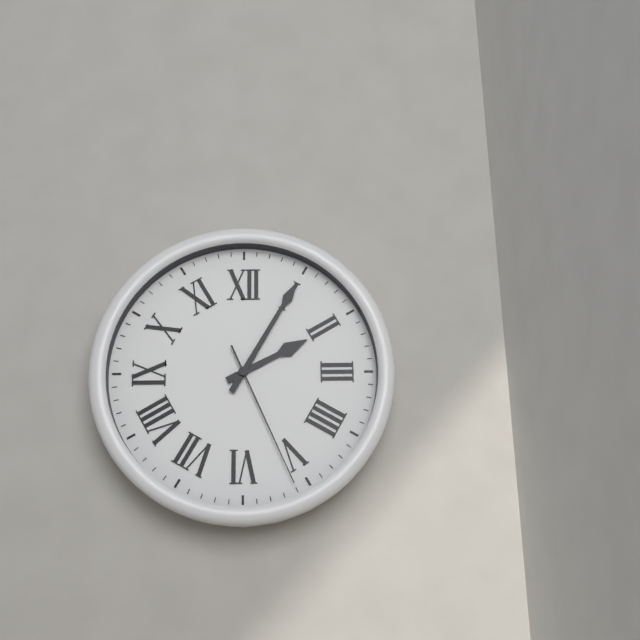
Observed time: **2:05:26**
